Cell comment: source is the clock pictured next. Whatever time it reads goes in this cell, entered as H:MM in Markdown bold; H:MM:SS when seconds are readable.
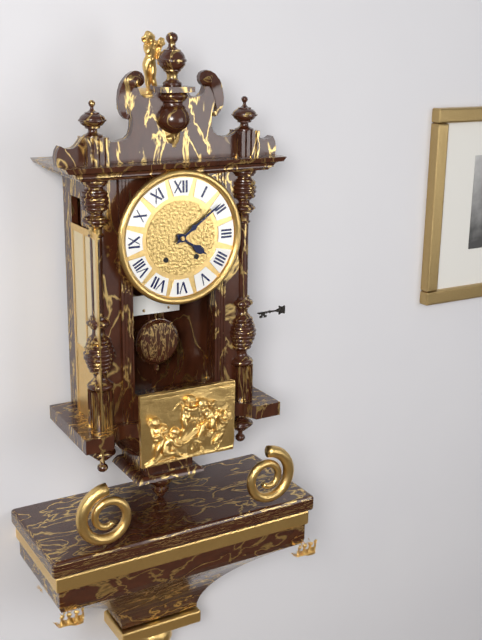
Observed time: **4:09**
